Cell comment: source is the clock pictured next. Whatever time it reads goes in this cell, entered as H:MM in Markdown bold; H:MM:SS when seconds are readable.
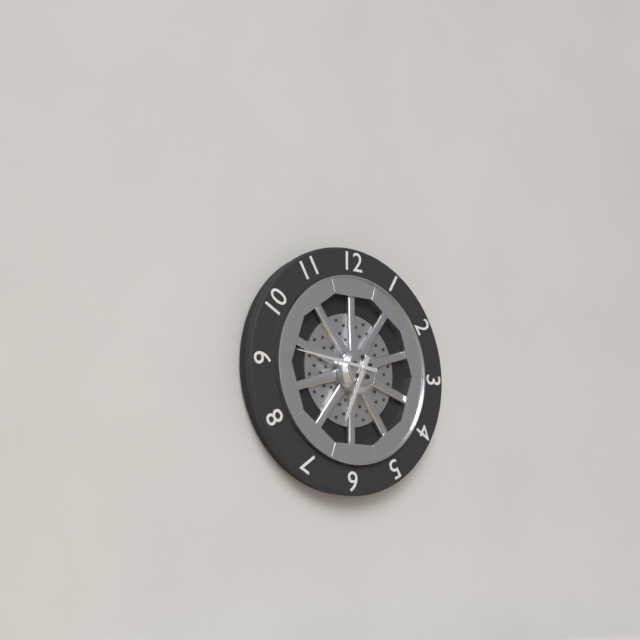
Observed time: **6:46**
